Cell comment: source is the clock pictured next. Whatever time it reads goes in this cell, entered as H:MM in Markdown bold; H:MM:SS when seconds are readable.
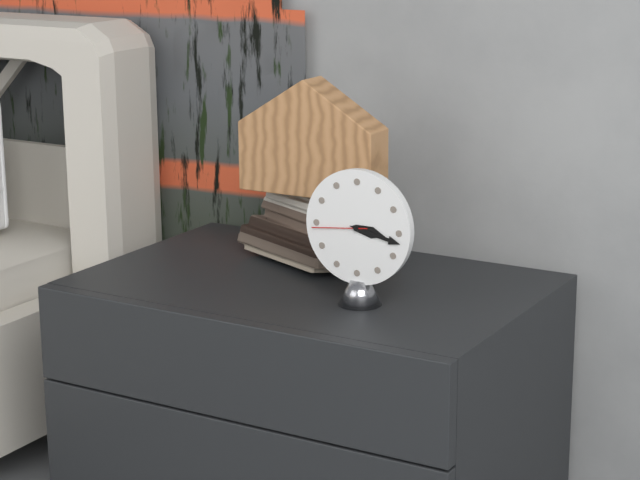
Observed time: **3:17:44**
